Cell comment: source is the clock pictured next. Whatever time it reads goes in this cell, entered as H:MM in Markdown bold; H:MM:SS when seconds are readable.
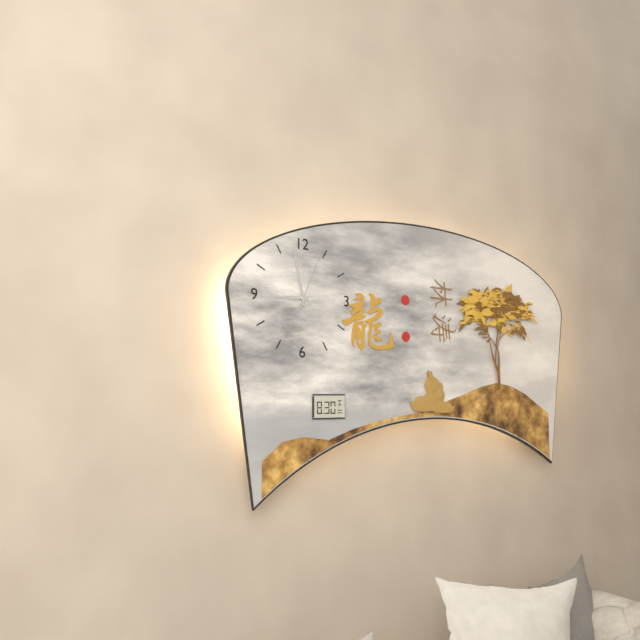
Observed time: **8:58:04**
